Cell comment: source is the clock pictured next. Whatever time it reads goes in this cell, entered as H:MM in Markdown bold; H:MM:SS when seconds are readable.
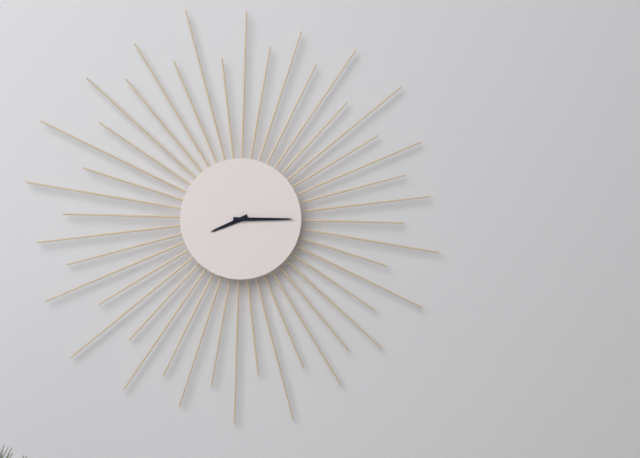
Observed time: **8:15**
